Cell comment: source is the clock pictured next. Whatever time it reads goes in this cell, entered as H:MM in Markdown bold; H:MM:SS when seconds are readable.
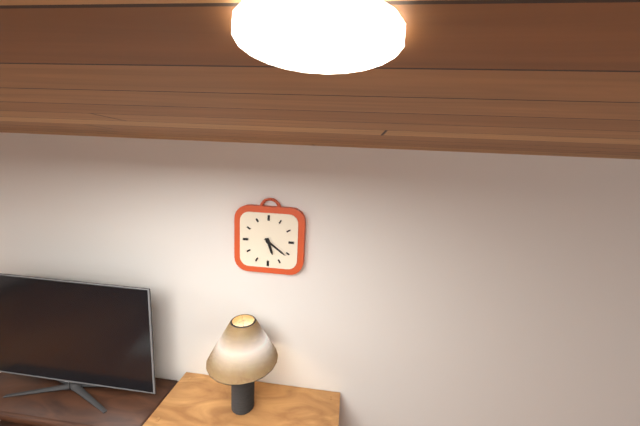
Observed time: **5:21**
